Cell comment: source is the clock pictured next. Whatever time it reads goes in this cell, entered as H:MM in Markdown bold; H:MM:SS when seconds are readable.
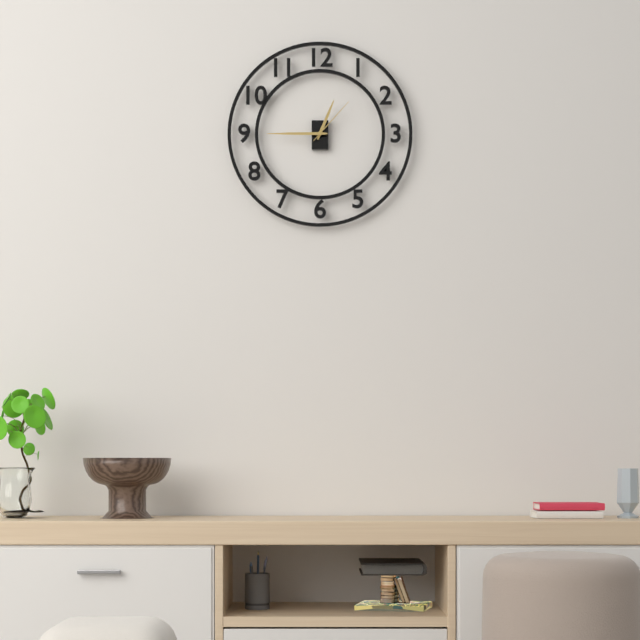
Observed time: **12:45:07**
